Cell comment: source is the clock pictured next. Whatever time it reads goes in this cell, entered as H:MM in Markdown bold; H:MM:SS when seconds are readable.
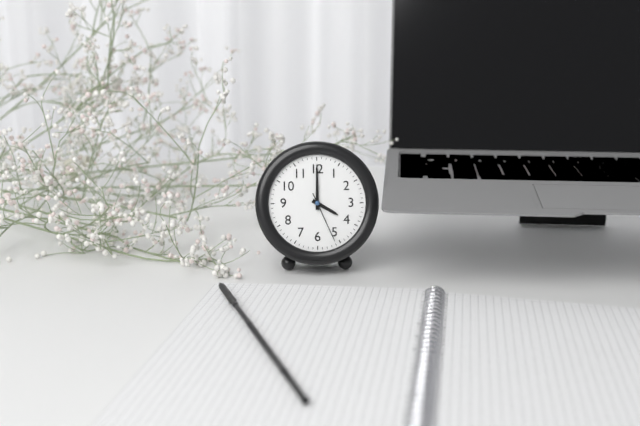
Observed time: **4:00:26**
